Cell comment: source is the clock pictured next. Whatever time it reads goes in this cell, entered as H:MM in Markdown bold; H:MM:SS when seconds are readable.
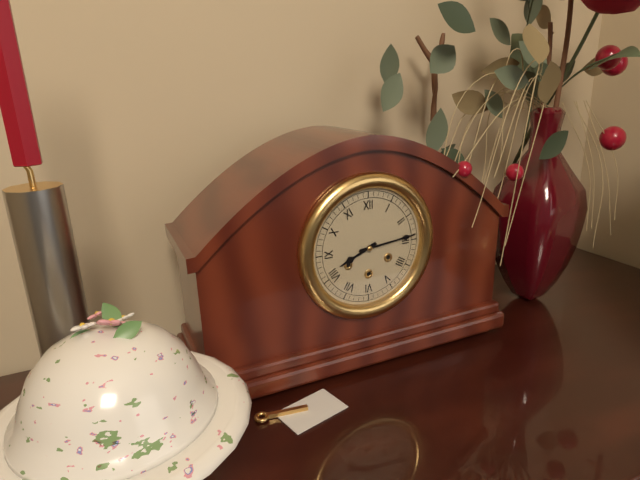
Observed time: **8:14**
